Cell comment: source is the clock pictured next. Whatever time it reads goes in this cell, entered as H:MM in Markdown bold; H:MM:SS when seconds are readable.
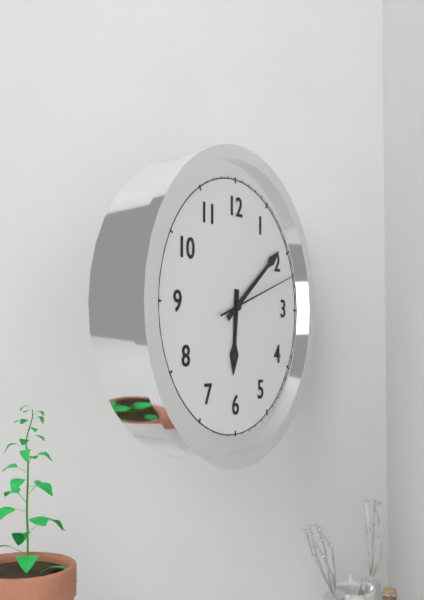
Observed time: **6:09:12**
